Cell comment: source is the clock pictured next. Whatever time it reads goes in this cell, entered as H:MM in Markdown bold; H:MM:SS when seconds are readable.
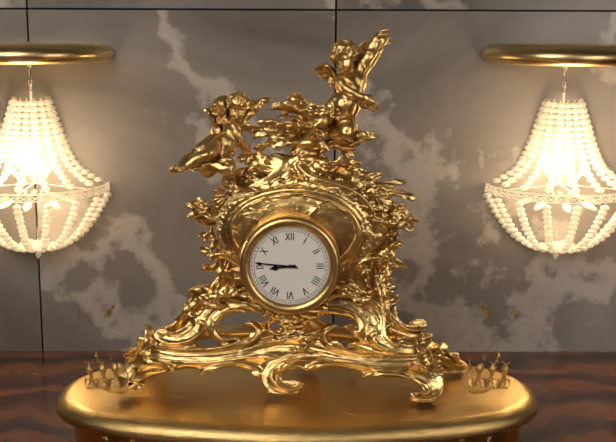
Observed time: **8:46**
